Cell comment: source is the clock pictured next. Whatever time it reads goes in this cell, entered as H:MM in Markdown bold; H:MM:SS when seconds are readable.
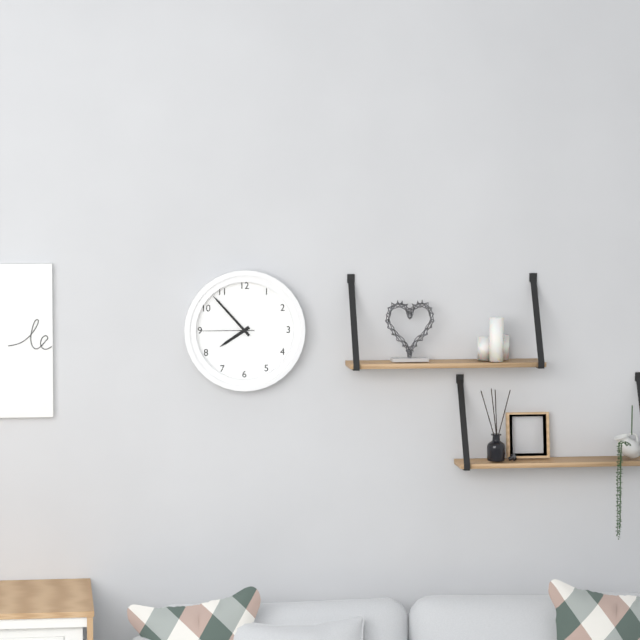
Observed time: **7:53:45**
